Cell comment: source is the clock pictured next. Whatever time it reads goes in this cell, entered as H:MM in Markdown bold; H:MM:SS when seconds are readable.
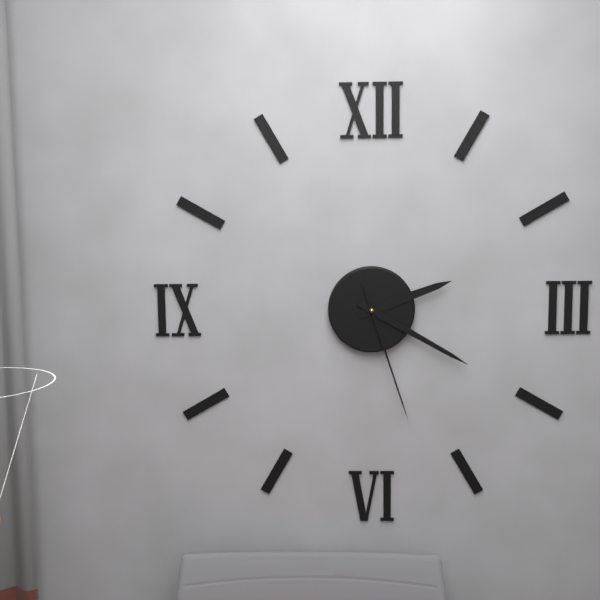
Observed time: **2:20:27**
